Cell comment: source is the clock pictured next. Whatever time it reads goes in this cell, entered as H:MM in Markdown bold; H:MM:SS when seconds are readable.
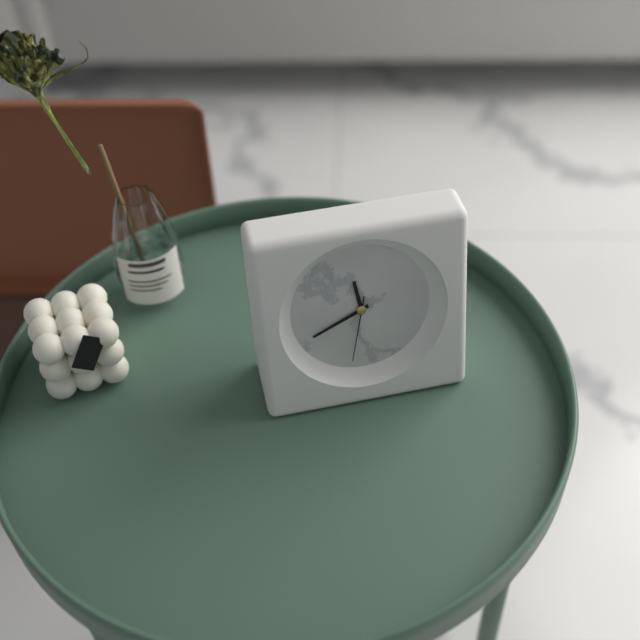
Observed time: **11:41:32**
